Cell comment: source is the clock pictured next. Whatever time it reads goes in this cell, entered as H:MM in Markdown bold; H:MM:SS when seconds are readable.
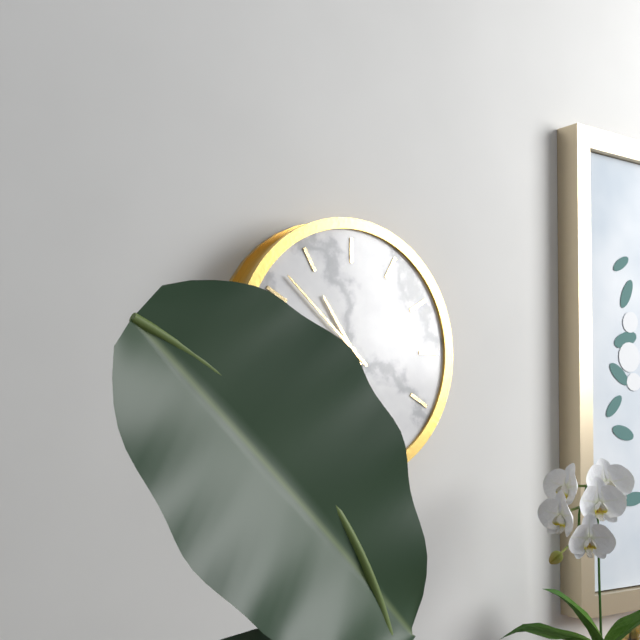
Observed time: **10:52**
